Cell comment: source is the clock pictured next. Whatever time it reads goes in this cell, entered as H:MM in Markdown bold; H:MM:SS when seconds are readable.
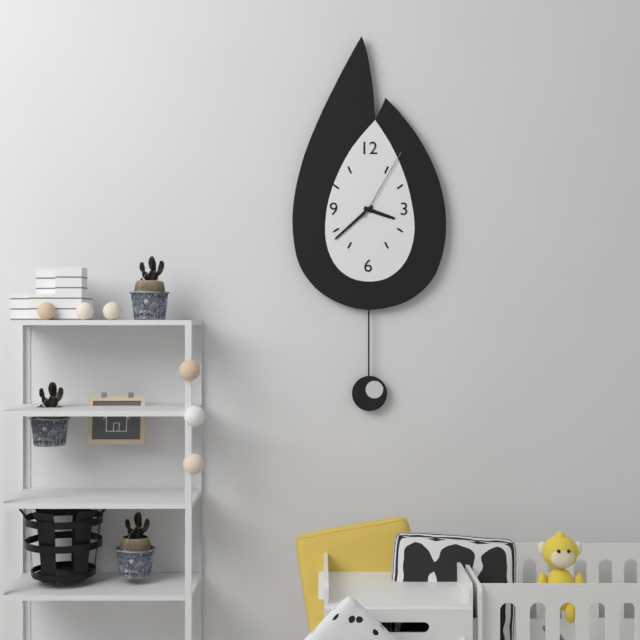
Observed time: **3:38:05**
